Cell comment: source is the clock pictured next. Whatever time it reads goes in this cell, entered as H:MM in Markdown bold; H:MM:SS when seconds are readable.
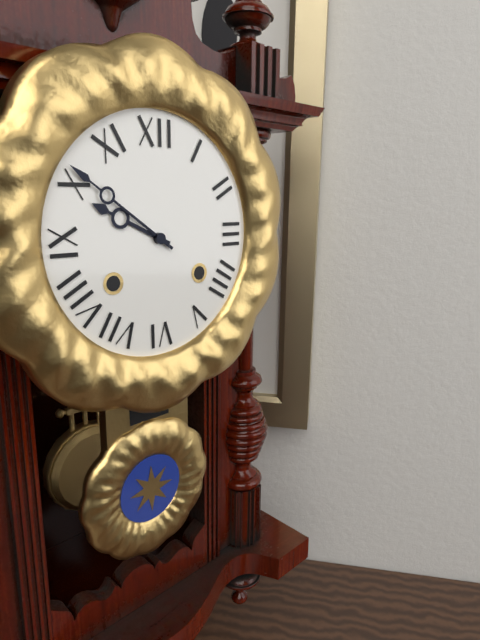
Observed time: **9:51**
